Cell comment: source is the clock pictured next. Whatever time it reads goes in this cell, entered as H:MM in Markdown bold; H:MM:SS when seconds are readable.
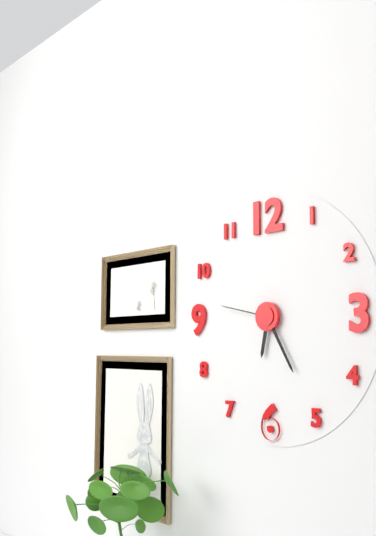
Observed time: **6:25:47**
